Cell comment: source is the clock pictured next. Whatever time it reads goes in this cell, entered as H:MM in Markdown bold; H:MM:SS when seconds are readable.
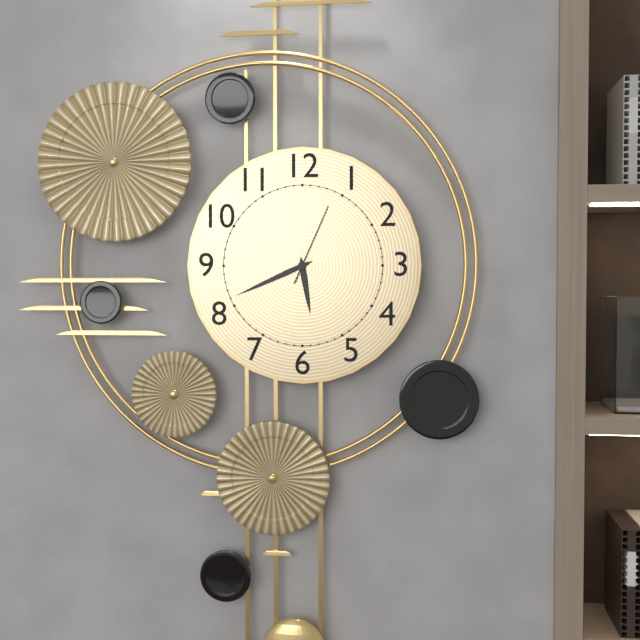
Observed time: **5:41:04**
